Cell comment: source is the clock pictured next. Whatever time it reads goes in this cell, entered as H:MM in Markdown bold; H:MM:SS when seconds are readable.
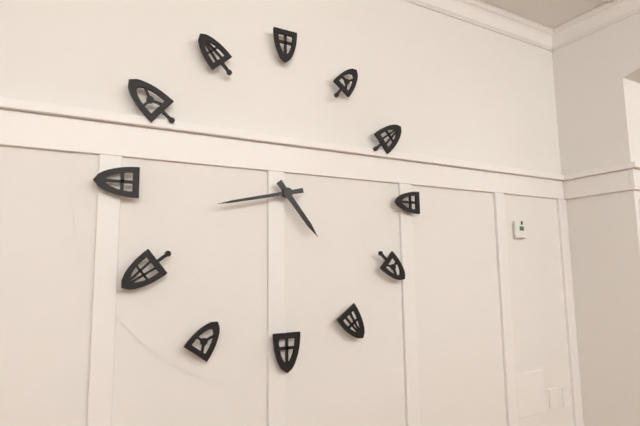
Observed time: **4:43**
